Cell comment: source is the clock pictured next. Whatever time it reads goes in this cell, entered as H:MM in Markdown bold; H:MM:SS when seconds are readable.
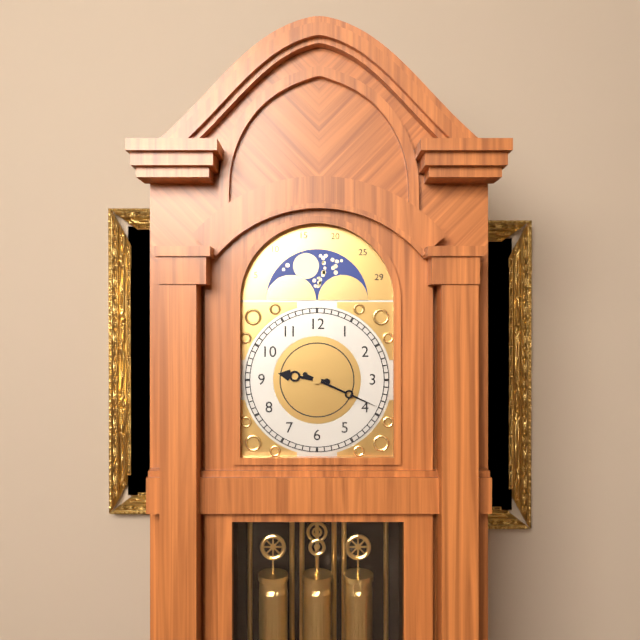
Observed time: **9:19**
